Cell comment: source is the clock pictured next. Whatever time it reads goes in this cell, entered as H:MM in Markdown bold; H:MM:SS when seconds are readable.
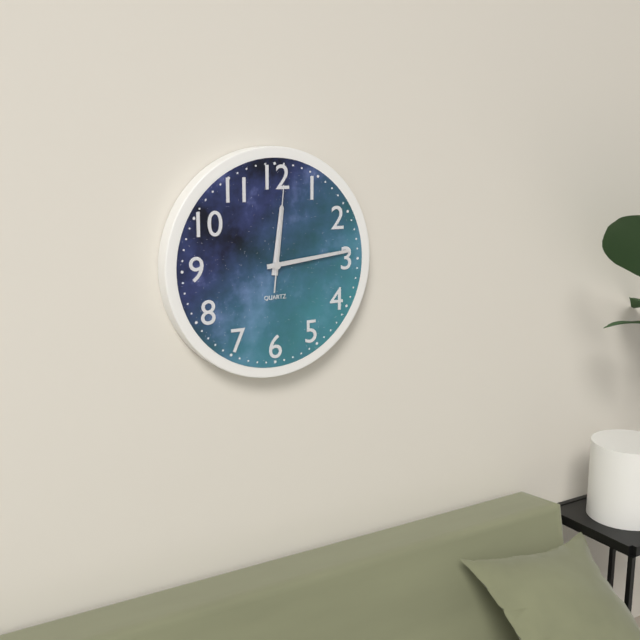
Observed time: **12:14:01**
